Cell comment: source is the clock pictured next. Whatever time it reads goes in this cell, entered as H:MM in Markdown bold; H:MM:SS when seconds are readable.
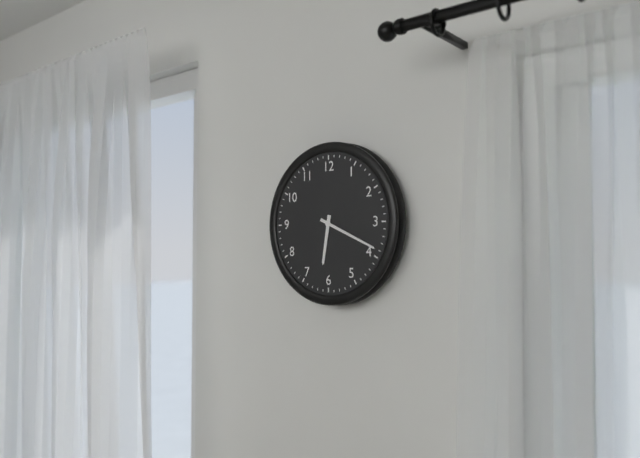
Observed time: **6:19**
